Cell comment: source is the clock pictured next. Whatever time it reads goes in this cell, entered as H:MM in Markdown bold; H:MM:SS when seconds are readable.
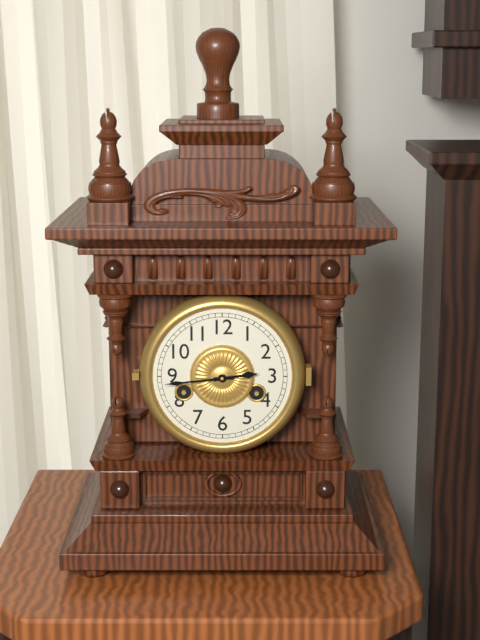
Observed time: **2:44**
